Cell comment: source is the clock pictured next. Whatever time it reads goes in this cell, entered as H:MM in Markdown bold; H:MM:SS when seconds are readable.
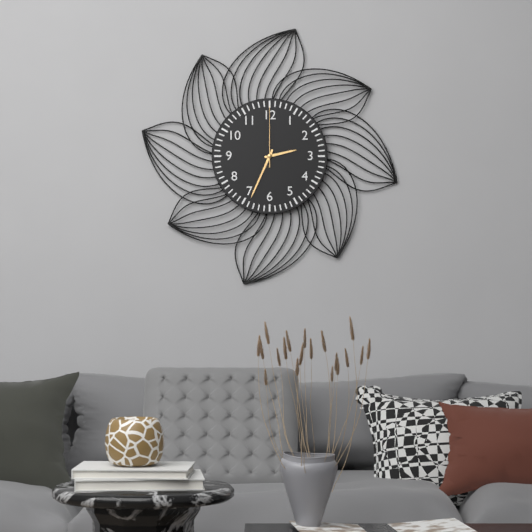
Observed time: **2:34:00**
